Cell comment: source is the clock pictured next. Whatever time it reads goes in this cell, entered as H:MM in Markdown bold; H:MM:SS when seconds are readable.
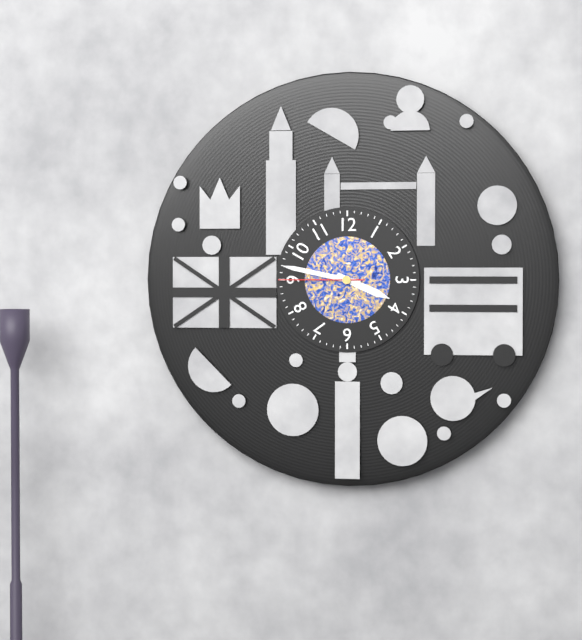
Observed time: **3:47:45**
